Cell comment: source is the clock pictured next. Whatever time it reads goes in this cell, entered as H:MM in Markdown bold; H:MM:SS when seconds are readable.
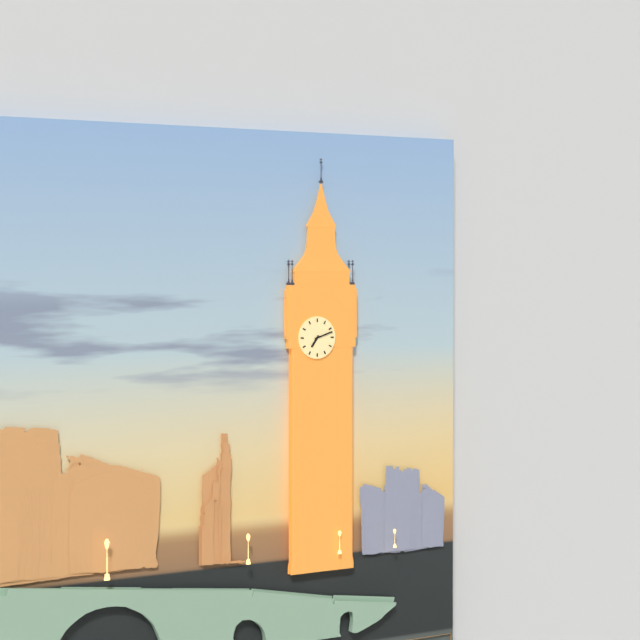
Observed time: **7:12**
